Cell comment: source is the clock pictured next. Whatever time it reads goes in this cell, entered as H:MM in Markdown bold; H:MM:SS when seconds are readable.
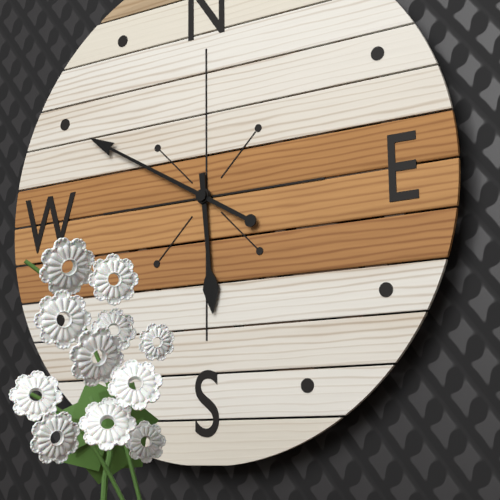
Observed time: **5:50**
